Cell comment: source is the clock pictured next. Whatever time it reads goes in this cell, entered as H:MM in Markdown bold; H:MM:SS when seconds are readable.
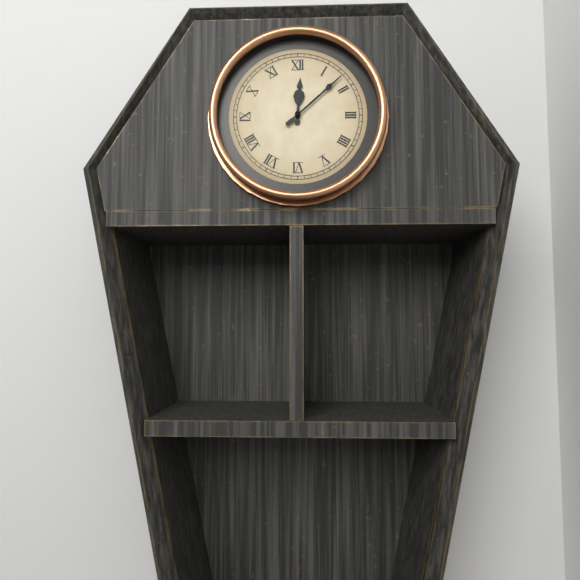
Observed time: **12:08**
